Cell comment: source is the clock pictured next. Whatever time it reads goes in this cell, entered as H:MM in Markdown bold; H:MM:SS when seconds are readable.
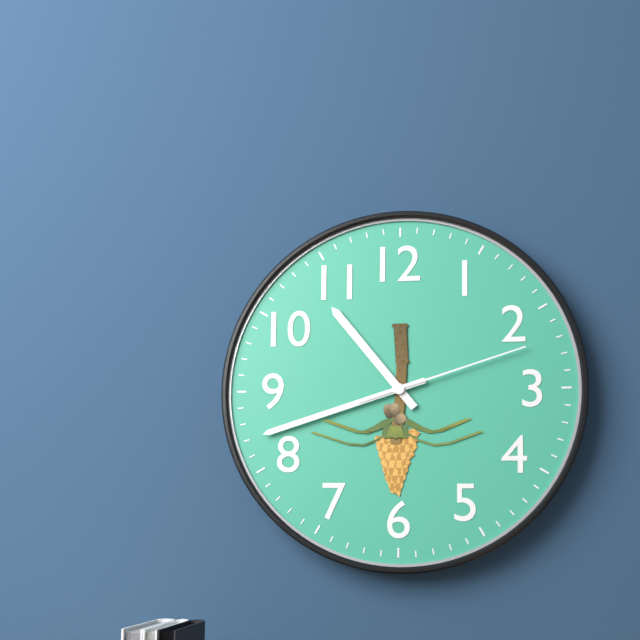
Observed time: **10:42:12**
